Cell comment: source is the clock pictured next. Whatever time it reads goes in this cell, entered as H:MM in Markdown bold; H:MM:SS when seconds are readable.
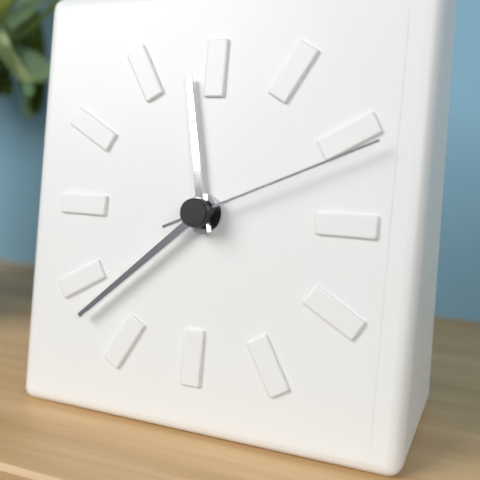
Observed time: **11:38:11**
